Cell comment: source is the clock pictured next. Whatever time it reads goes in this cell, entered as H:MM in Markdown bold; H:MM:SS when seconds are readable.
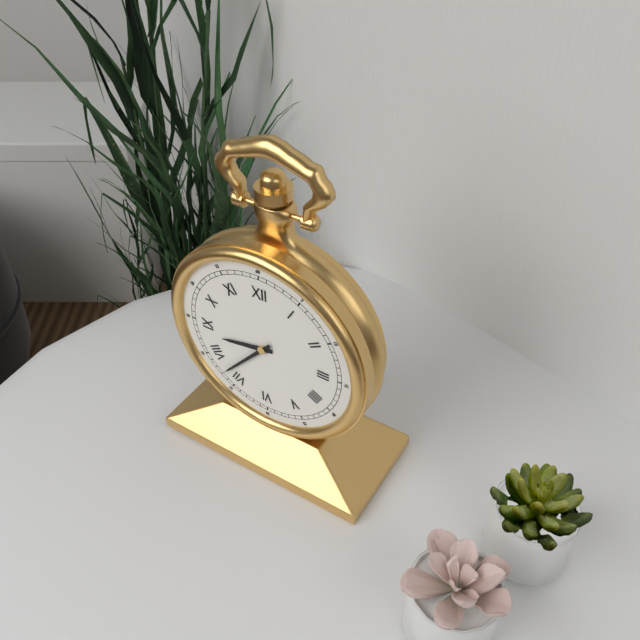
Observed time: **8:37**
